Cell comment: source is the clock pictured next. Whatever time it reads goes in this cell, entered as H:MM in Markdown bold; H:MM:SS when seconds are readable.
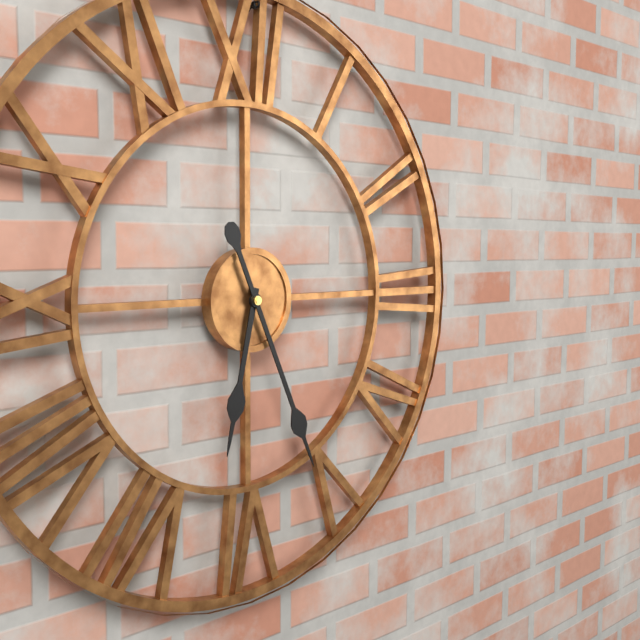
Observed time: **6:26**
